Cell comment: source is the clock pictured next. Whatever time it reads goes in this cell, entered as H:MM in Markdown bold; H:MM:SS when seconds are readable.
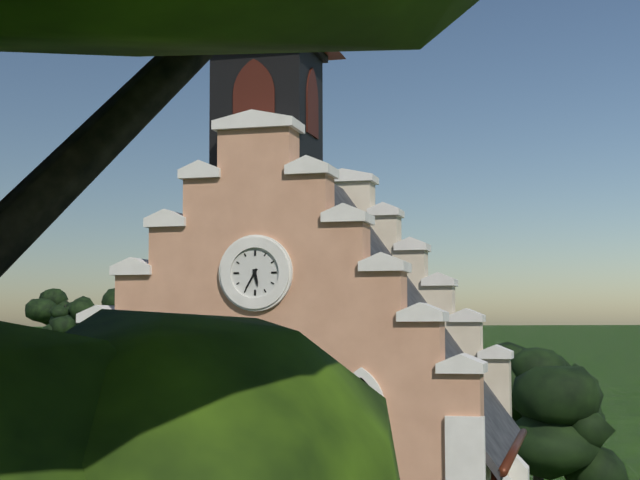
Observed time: **5:35**
